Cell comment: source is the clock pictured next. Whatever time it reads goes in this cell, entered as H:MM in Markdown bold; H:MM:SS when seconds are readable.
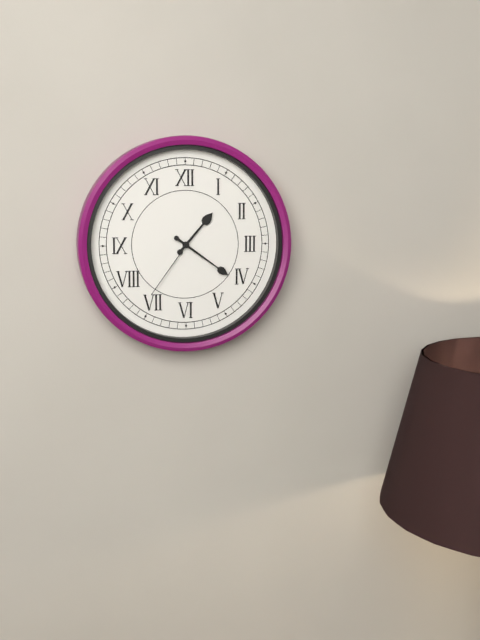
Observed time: **1:21:36**
